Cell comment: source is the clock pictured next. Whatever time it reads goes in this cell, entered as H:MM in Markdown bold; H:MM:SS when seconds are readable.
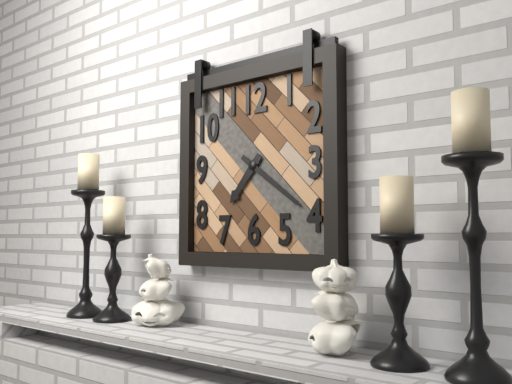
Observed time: **7:21**
